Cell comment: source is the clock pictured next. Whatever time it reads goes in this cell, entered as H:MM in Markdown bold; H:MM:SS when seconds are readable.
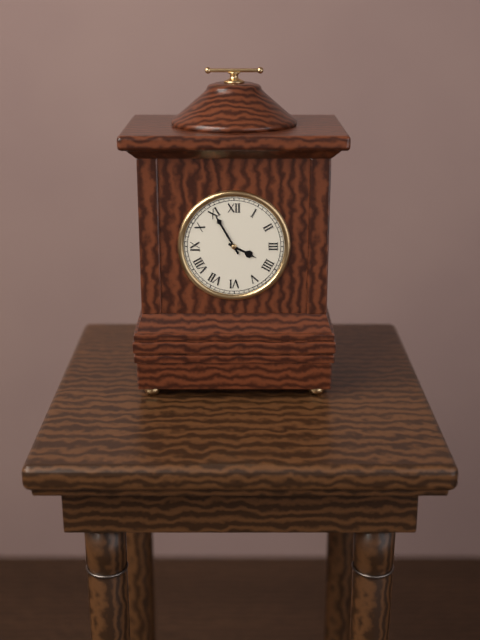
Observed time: **3:55**
